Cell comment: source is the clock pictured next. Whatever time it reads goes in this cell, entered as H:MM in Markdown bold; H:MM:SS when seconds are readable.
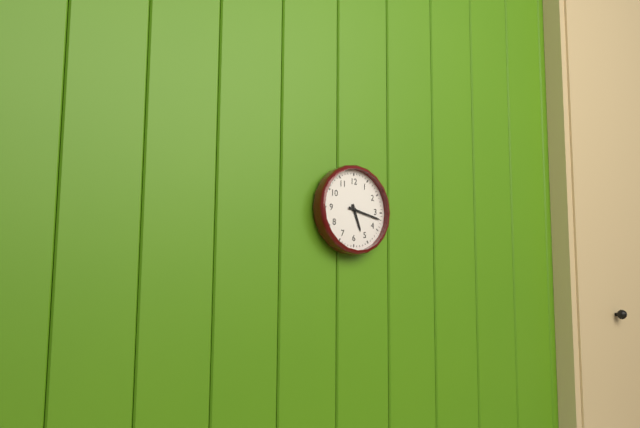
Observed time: **5:17**
